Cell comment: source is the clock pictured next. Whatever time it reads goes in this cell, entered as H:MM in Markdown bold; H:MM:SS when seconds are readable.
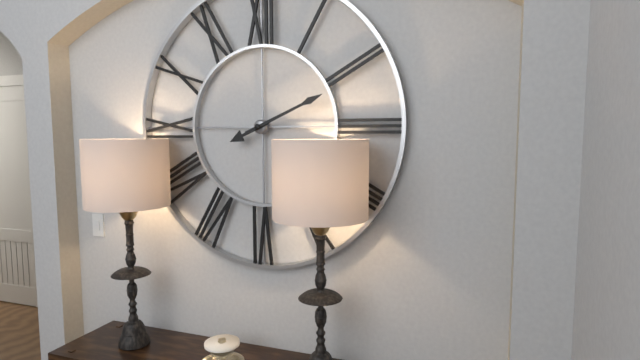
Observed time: **8:11**
